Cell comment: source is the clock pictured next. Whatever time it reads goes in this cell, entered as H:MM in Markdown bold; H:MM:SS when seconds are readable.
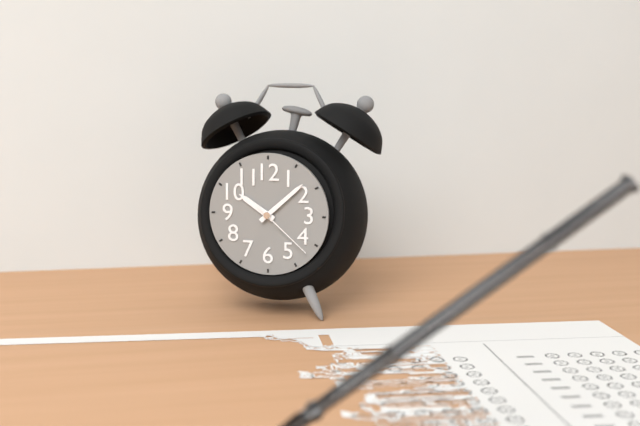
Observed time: **10:08:22**
